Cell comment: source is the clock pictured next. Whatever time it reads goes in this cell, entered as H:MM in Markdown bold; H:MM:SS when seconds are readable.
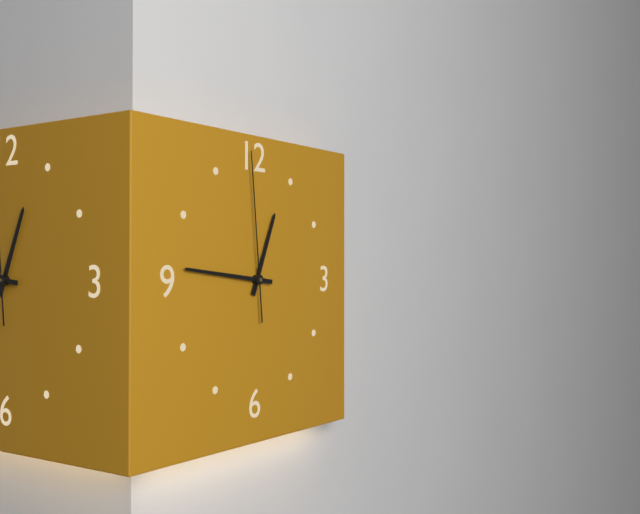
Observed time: **12:46:59**
